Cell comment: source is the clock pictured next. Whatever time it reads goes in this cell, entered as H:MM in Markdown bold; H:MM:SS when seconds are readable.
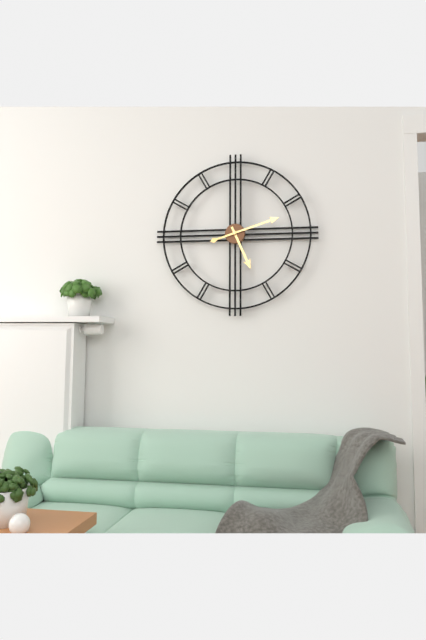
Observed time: **5:12**
